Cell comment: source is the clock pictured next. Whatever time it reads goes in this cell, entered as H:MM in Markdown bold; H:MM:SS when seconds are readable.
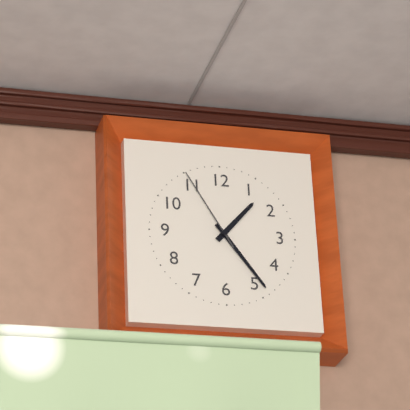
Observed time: **1:24:55**
